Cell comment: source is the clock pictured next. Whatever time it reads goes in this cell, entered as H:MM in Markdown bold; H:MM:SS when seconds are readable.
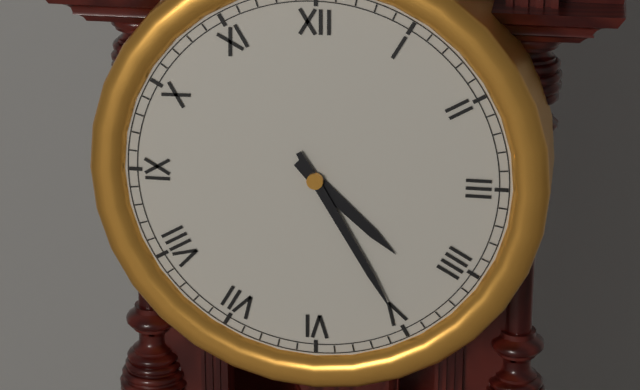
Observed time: **4:25**
